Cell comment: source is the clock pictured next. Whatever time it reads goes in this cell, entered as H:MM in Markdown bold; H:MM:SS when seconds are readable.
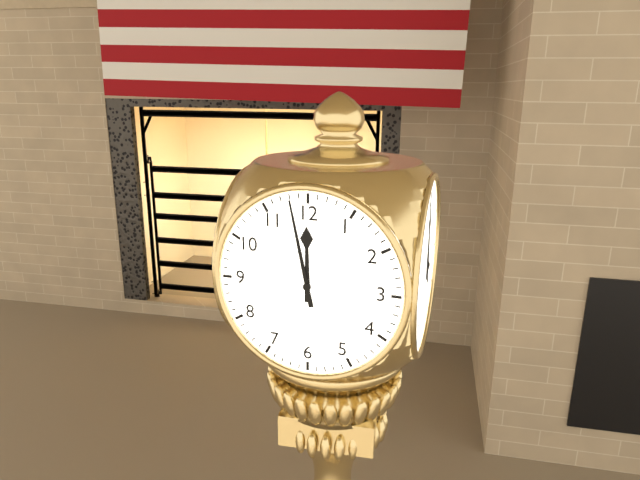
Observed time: **11:58**
